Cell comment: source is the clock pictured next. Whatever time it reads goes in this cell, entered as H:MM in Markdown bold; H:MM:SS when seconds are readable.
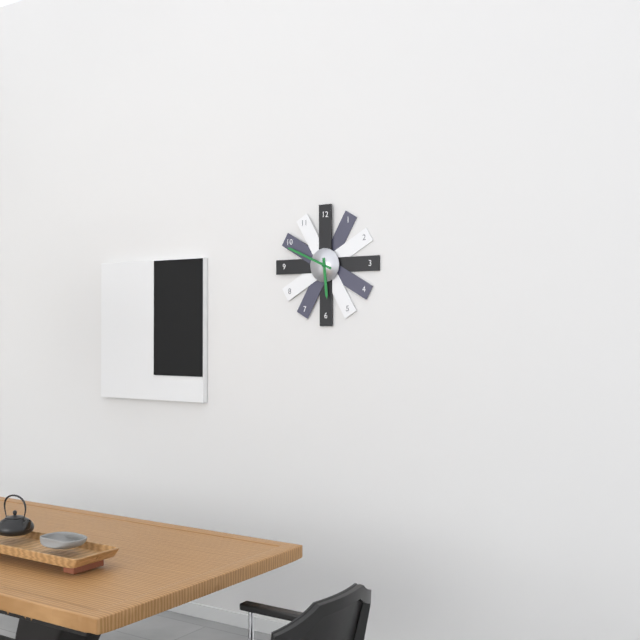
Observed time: **5:49**
